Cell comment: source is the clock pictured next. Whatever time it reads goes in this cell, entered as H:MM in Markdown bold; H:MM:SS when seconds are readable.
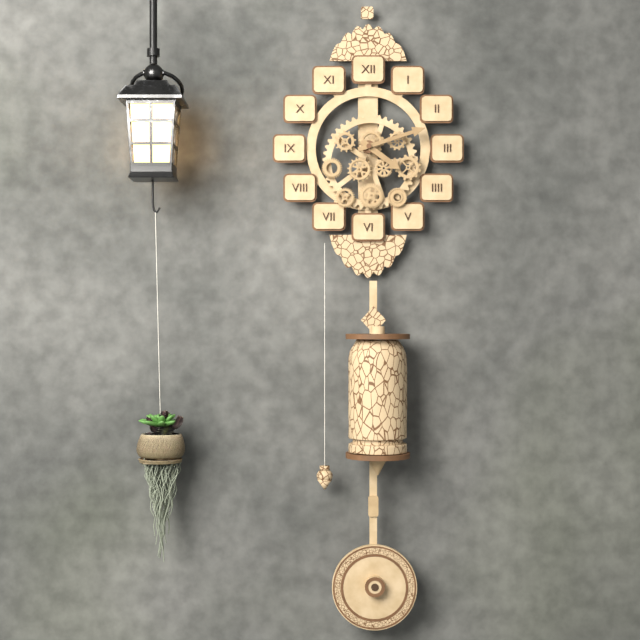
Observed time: **4:12**
